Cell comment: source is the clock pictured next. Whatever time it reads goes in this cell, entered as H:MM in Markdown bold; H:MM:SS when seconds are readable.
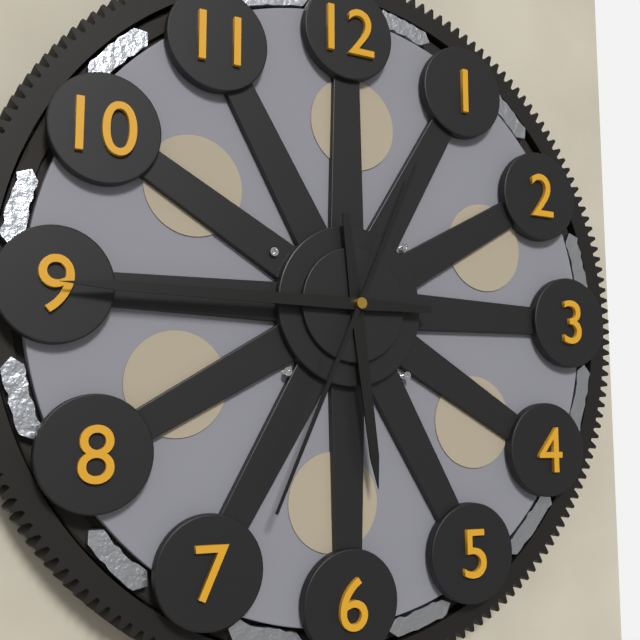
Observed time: **5:45:34**
